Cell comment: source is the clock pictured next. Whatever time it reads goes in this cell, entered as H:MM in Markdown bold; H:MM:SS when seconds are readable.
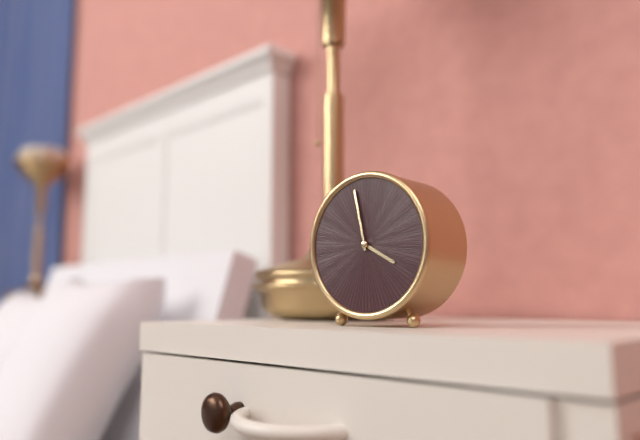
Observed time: **3:58**
